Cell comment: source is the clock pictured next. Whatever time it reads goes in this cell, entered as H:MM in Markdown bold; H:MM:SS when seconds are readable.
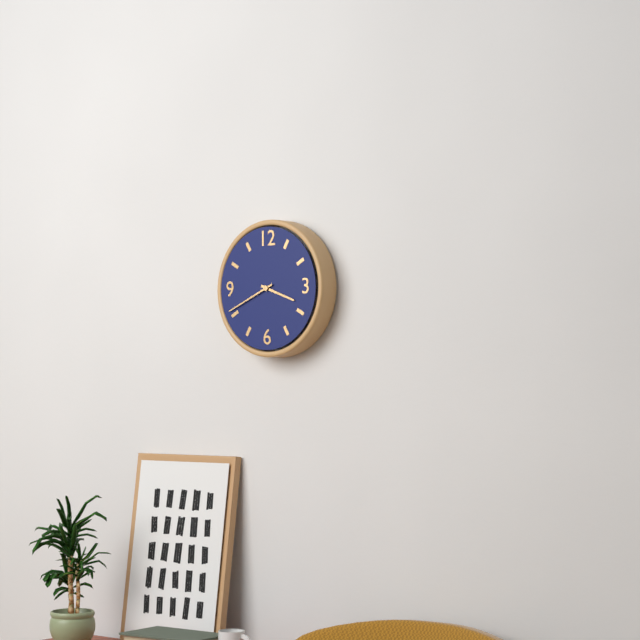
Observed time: **3:41**
